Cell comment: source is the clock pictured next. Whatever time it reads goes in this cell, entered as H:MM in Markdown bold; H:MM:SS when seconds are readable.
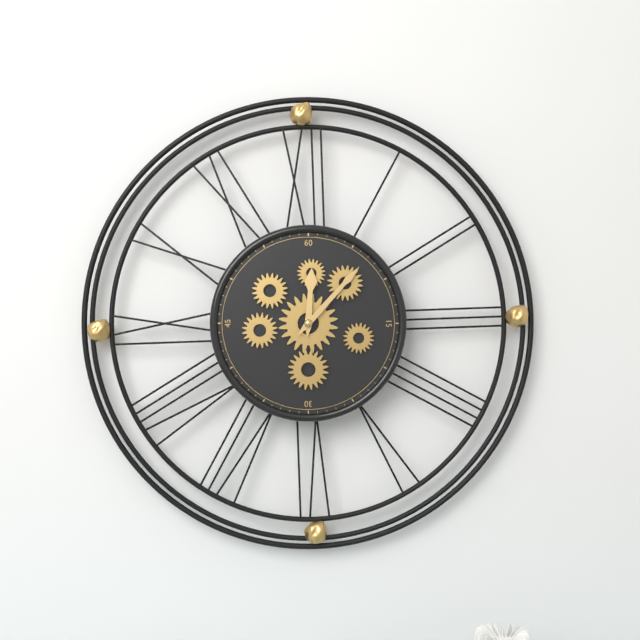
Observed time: **12:07**
